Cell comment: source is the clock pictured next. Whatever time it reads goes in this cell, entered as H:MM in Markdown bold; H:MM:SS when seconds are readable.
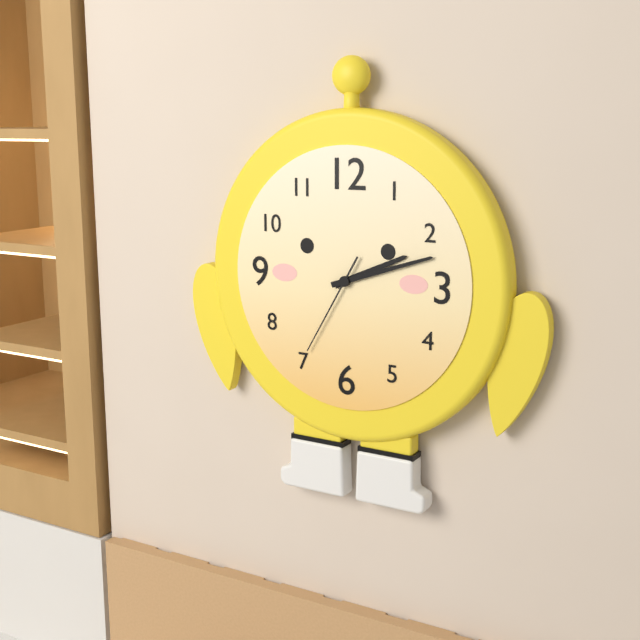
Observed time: **2:12:35**
